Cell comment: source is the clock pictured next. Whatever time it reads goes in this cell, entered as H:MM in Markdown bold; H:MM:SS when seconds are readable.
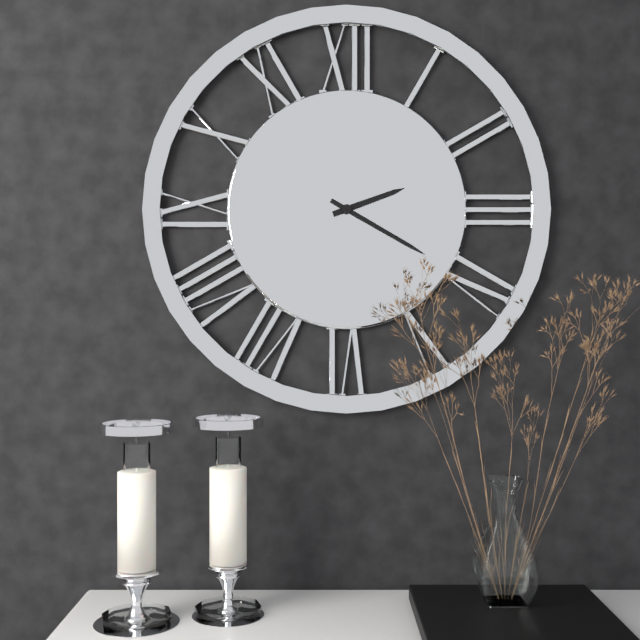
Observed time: **2:20**
